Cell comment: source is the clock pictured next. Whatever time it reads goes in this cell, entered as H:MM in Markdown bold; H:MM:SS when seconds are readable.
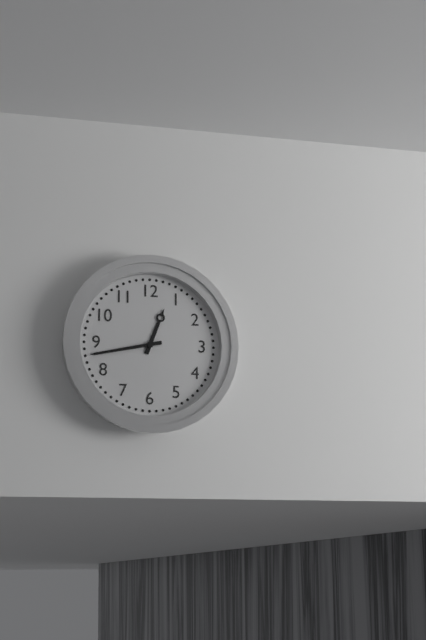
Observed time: **12:43**
